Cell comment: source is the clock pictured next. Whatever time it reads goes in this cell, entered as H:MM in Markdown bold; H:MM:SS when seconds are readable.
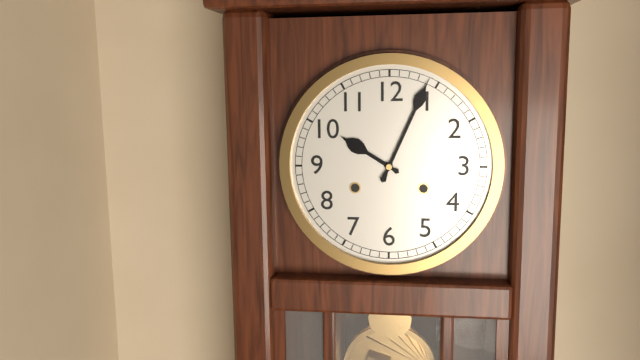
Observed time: **10:04**
